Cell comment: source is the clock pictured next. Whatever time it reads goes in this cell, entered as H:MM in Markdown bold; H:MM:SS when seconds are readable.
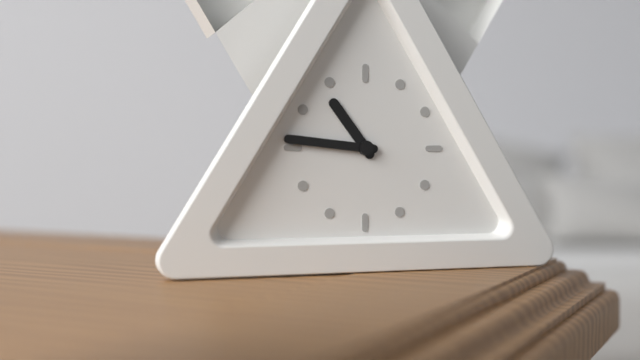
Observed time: **10:46**
